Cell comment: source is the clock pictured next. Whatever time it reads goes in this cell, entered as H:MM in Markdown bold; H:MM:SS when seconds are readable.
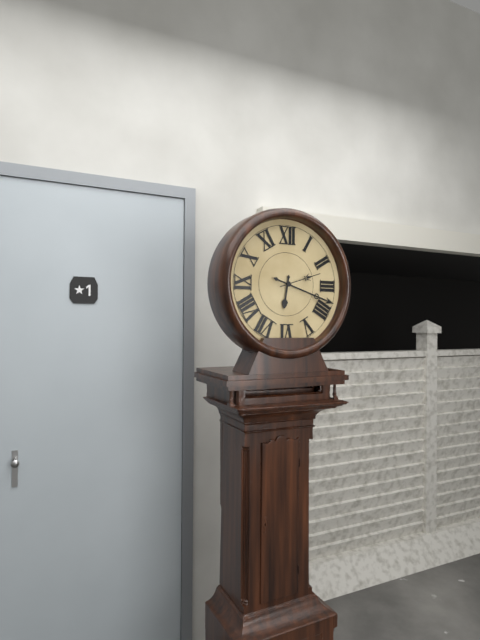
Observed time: **6:18:12**
